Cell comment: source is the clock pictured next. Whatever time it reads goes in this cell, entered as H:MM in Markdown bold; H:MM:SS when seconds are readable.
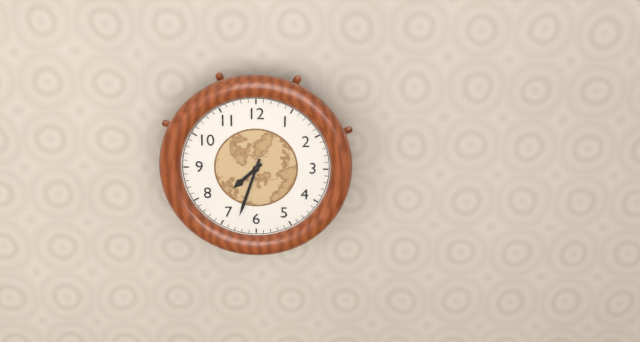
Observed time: **7:33**
